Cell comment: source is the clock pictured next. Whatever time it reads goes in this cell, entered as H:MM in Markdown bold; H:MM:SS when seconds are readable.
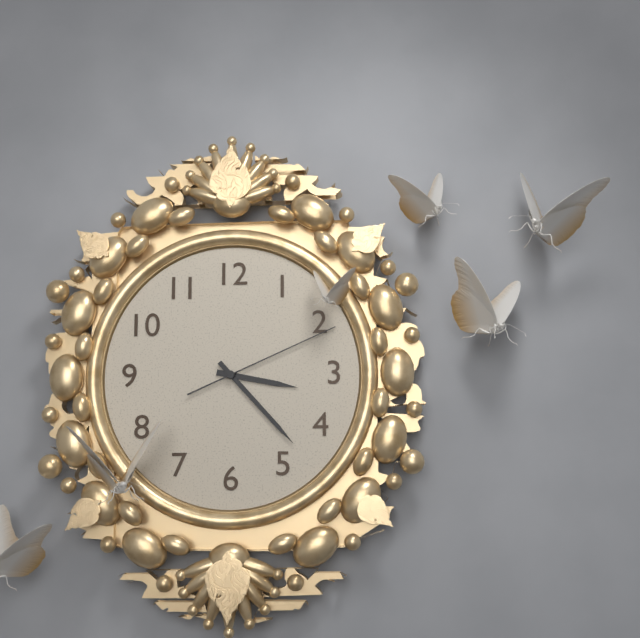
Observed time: **3:23:11**
